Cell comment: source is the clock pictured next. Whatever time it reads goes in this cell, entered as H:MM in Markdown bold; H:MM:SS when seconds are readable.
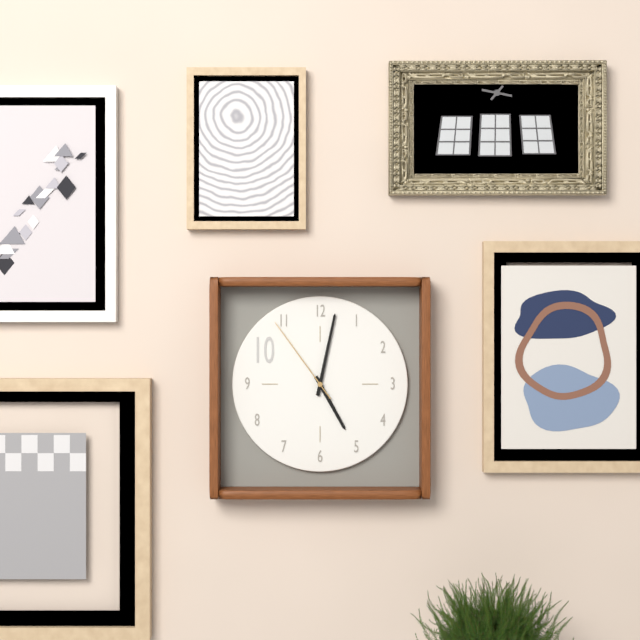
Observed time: **5:02:54**
